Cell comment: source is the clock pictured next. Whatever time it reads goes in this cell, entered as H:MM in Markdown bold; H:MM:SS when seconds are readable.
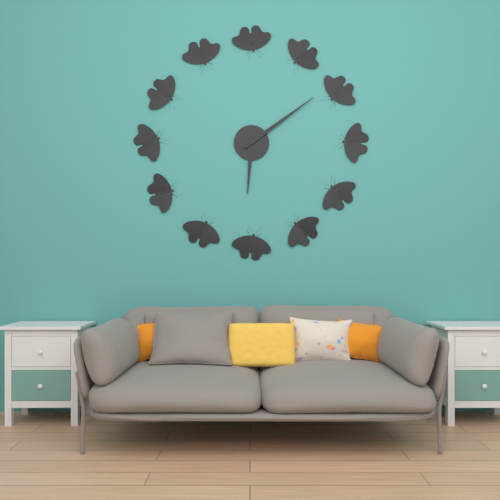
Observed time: **6:09**
